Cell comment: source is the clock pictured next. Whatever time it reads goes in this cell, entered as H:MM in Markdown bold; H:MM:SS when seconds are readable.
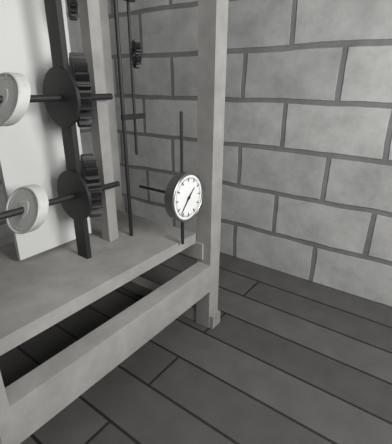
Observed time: **1:37**
